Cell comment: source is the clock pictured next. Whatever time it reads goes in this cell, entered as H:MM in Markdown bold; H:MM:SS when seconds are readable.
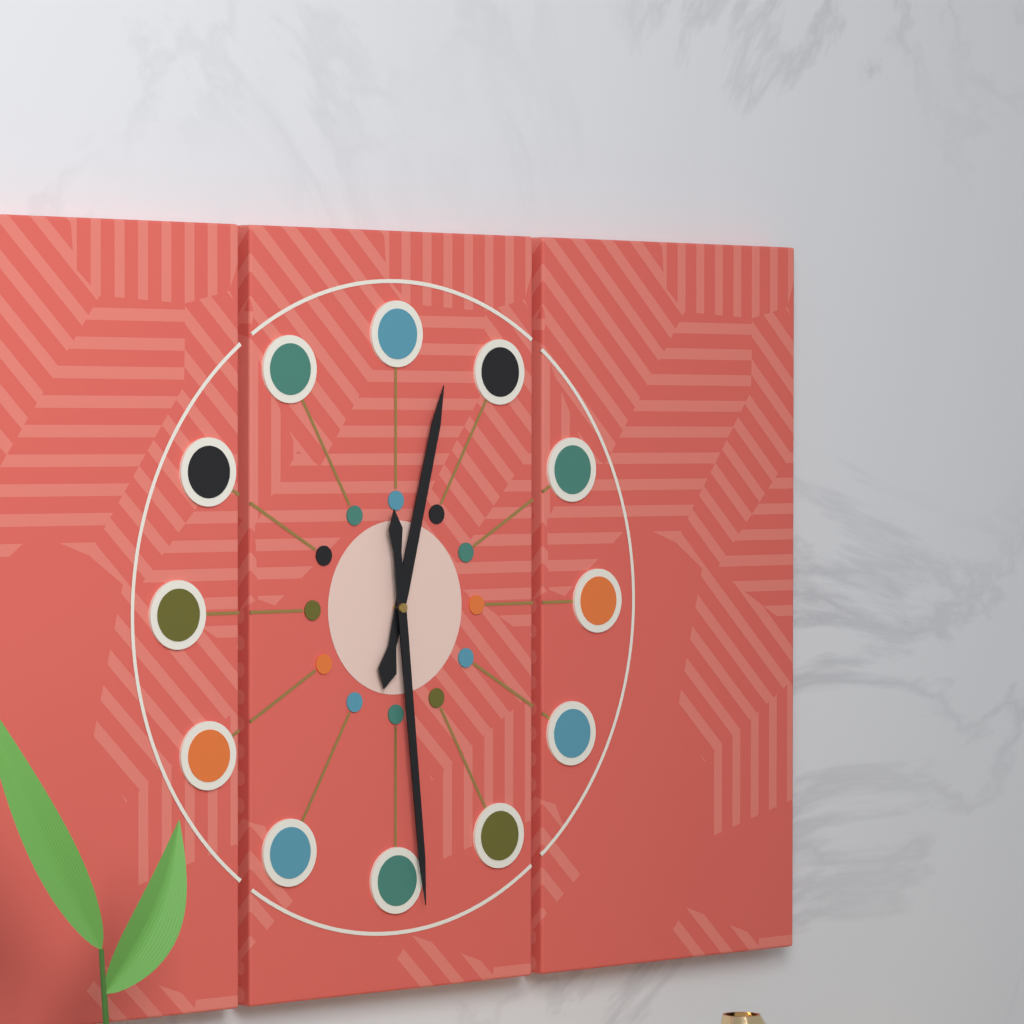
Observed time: **12:29**
